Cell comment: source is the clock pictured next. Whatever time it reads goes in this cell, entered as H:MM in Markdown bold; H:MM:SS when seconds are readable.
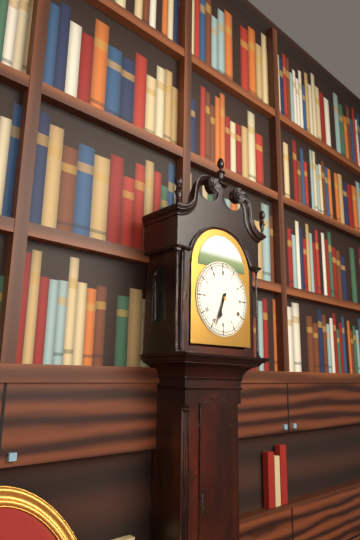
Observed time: **6:34**
